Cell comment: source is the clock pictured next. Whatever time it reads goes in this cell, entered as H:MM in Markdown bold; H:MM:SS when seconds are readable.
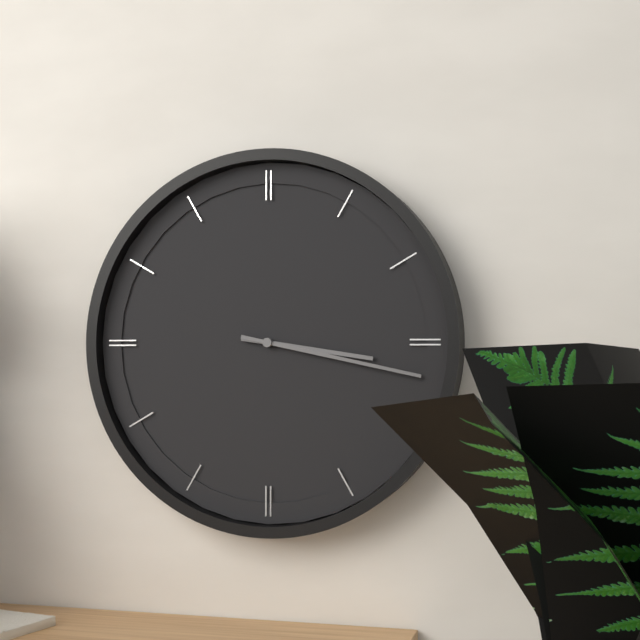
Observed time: **3:17**
